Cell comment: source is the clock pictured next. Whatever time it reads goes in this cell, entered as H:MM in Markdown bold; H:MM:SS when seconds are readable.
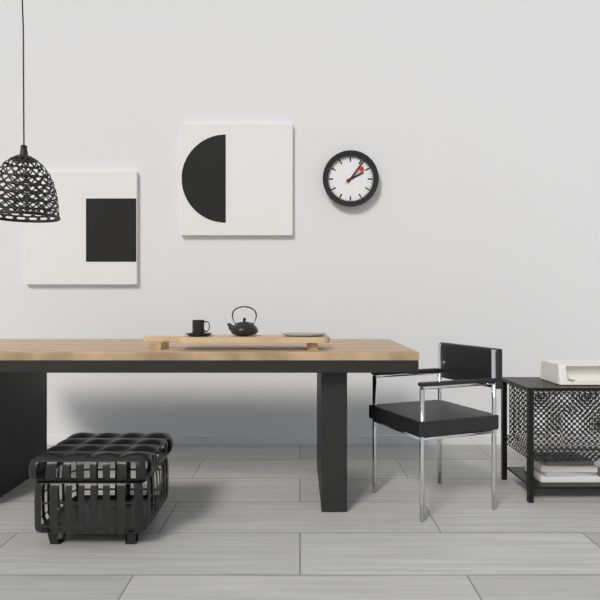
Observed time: **2:06**
